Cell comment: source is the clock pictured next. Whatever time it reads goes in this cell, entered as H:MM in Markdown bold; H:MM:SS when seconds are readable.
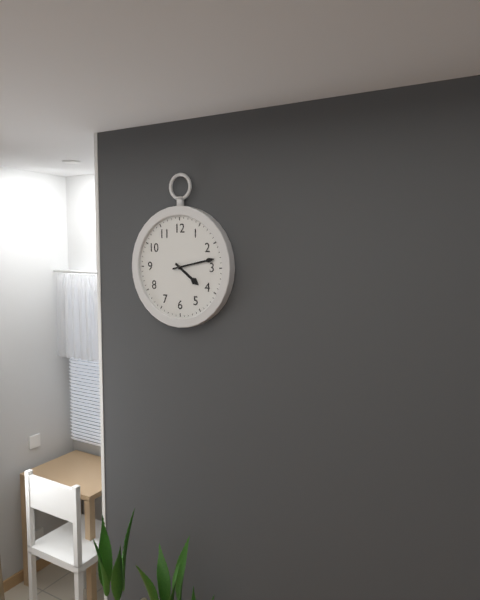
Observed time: **4:13**
